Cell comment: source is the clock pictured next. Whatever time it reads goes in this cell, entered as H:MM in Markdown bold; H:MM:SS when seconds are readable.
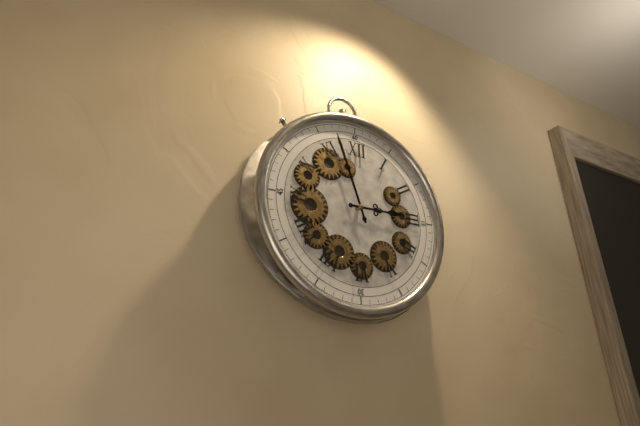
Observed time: **2:57**
